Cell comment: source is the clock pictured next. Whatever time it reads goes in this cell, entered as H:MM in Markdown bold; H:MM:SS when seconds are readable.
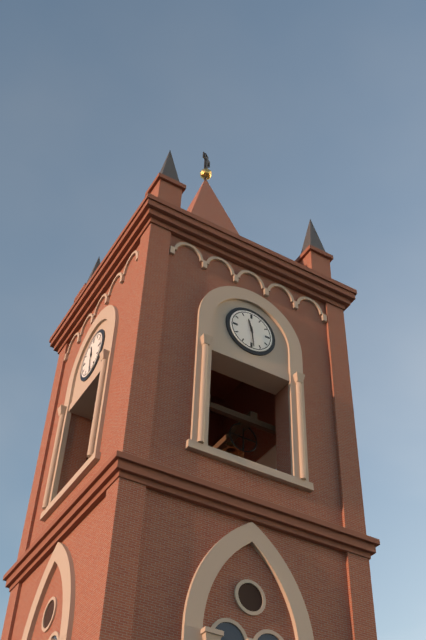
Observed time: **11:29**
